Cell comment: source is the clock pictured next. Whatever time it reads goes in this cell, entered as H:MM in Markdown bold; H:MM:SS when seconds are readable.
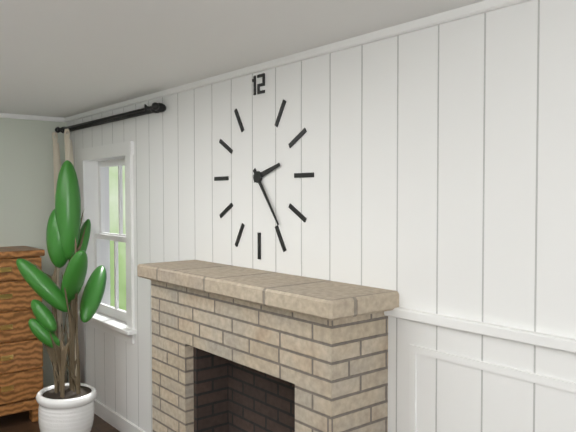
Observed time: **2:24**
